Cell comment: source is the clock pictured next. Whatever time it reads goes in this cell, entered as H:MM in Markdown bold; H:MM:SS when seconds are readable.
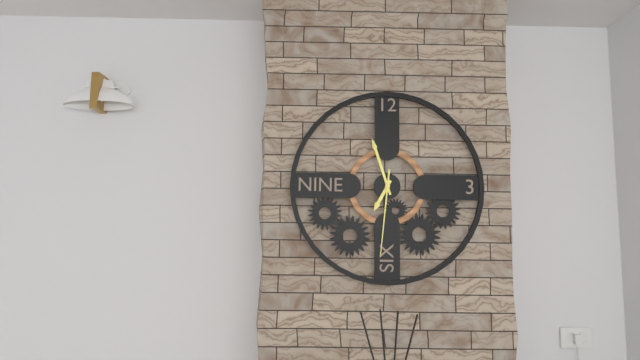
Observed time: **6:57:31**
